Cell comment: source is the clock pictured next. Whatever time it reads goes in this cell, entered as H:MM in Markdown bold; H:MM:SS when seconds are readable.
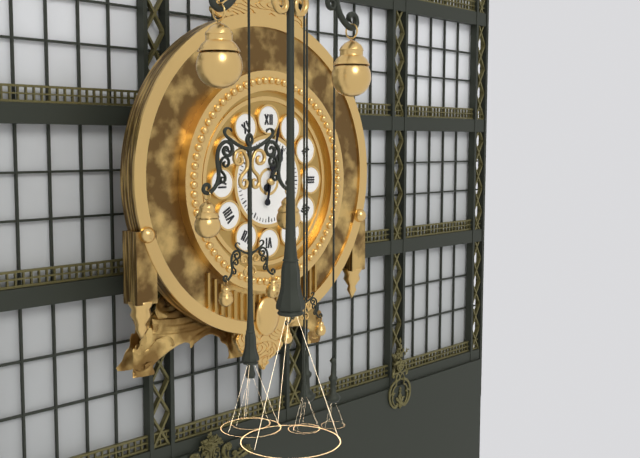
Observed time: **1:02**
